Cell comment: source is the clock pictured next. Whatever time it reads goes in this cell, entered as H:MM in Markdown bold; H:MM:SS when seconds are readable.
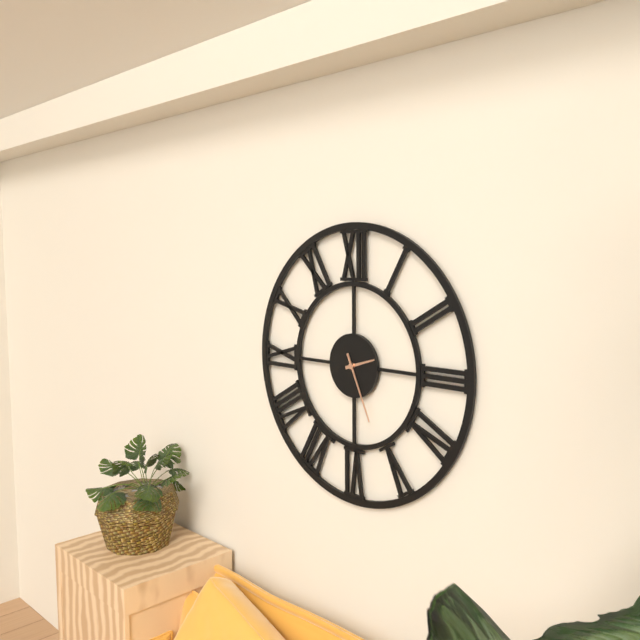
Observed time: **2:26**
